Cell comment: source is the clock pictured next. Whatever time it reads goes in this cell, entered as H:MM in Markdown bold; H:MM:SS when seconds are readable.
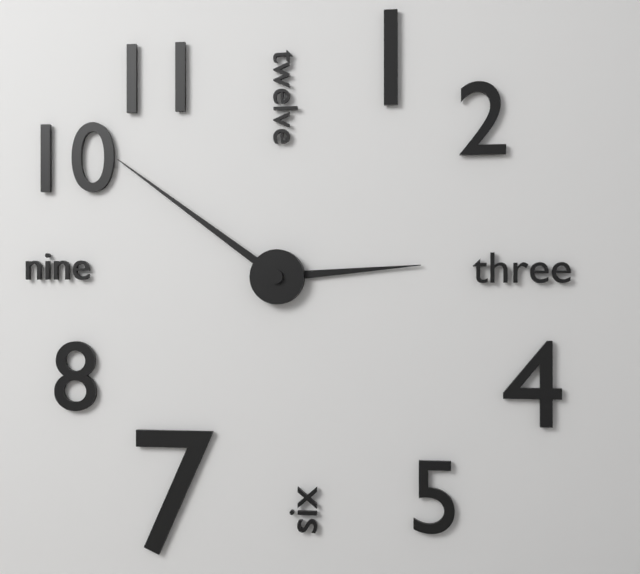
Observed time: **2:51**
